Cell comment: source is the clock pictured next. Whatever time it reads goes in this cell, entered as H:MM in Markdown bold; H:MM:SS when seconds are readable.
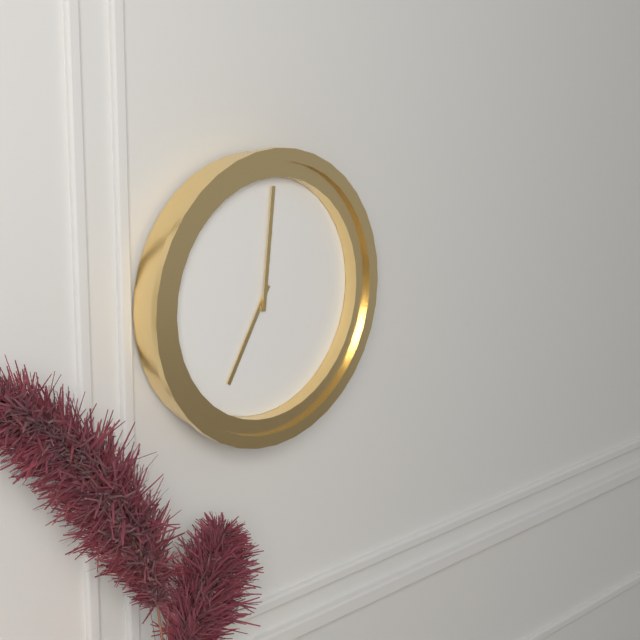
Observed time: **7:01**
